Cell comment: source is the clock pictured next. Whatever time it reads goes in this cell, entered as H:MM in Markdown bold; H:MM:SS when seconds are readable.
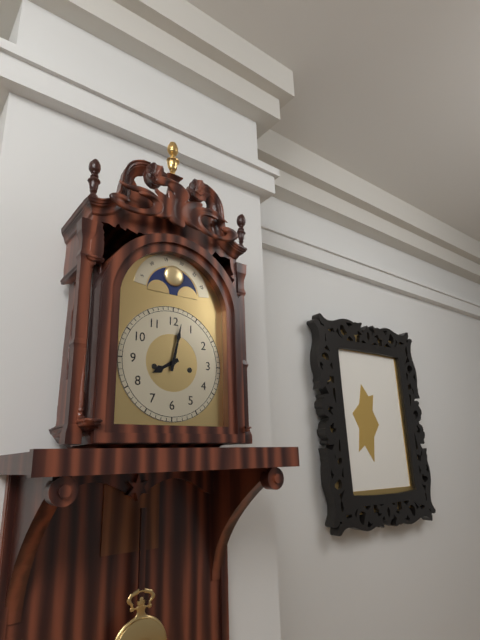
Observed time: **8:02**
